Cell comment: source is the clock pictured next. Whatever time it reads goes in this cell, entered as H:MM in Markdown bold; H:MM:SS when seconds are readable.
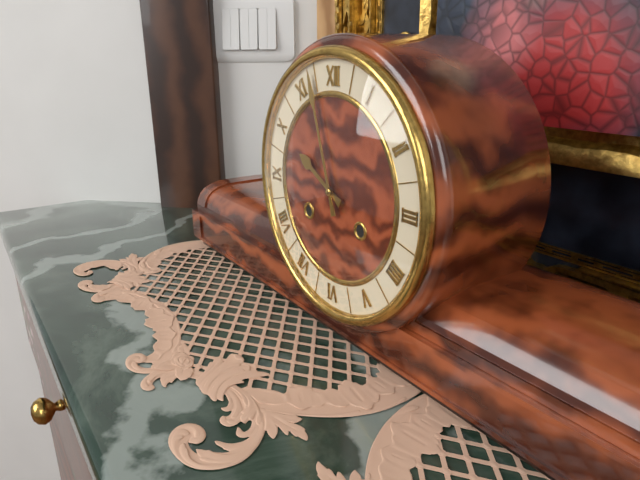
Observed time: **9:57**
